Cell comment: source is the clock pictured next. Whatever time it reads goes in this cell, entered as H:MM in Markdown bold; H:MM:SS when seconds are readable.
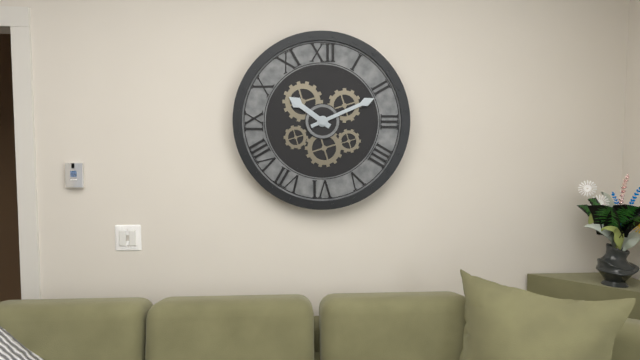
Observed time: **10:11**
